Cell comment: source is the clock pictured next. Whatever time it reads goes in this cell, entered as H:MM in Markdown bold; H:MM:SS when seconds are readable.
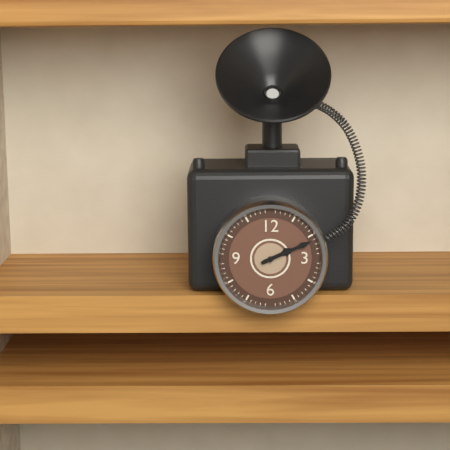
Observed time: **2:11**
